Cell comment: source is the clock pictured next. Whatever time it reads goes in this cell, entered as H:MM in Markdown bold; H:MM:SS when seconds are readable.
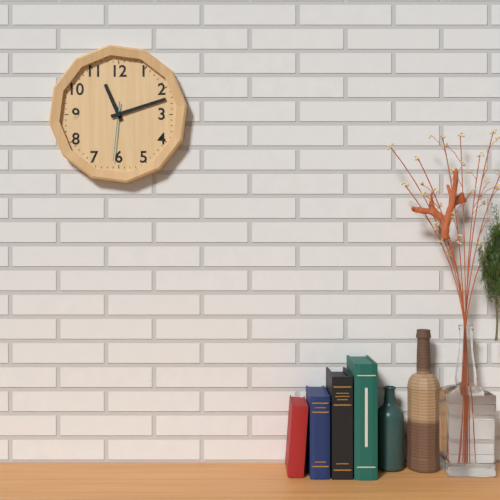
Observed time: **11:12:31**
